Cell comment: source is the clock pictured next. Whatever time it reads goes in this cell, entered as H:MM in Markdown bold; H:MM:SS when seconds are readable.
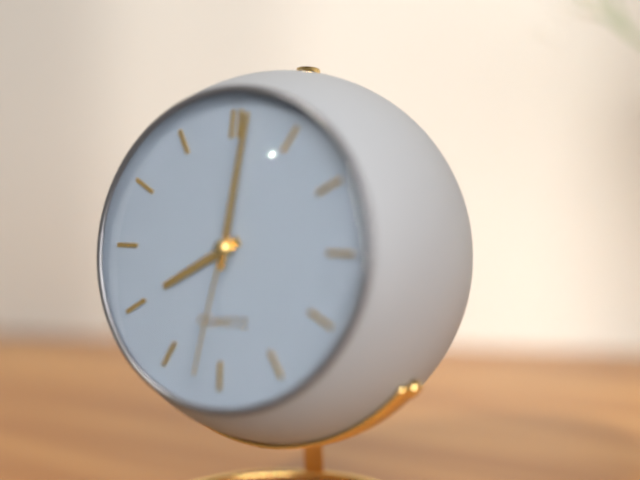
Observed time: **8:01:32**
